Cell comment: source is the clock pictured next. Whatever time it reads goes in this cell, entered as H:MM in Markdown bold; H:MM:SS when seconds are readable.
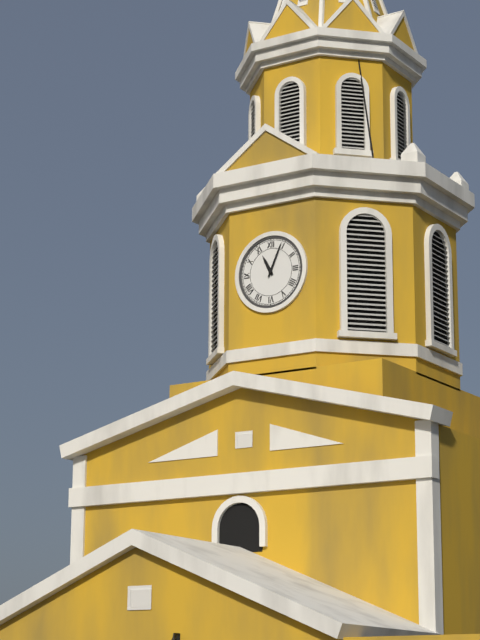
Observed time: **11:04**
